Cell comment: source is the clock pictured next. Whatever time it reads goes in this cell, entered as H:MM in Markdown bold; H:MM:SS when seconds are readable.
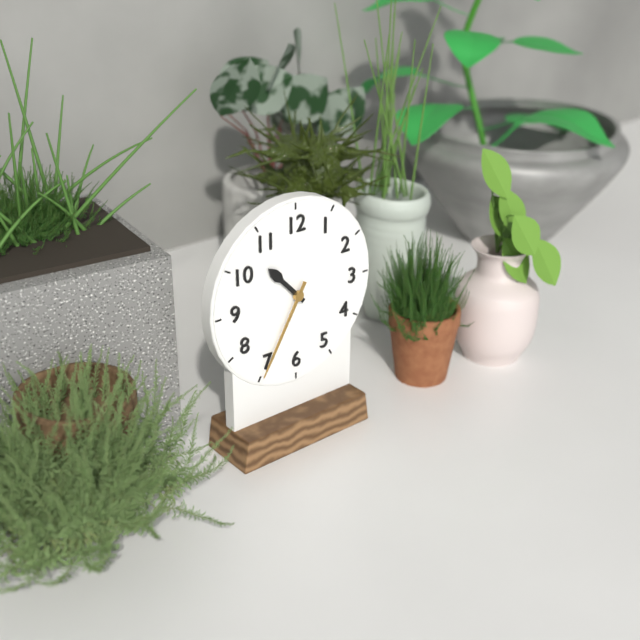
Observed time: **10:35**
